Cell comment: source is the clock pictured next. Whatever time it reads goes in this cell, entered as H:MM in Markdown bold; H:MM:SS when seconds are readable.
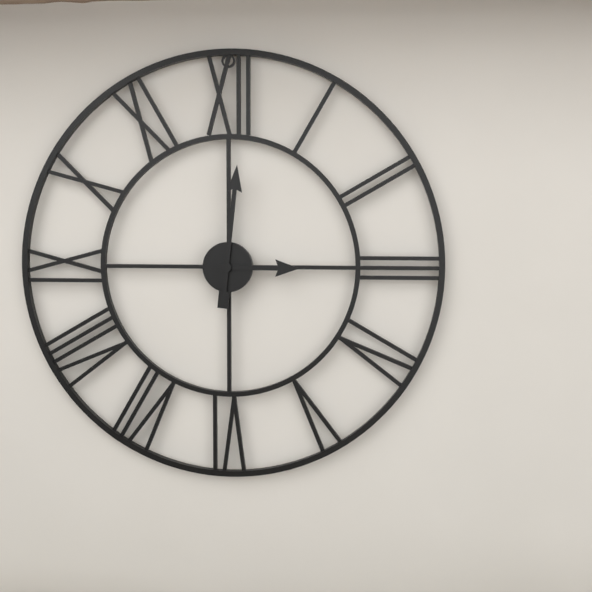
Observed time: **3:01**
